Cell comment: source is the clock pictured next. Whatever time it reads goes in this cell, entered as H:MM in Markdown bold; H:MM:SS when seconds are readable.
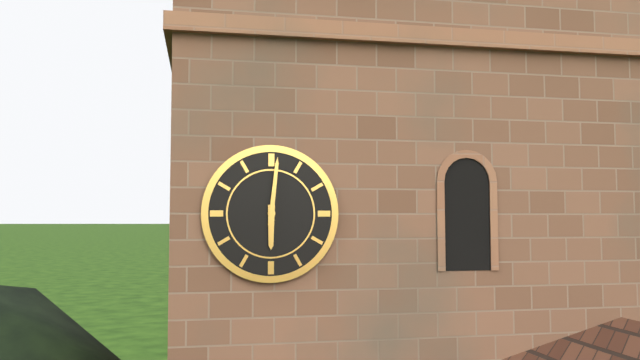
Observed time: **6:01**
